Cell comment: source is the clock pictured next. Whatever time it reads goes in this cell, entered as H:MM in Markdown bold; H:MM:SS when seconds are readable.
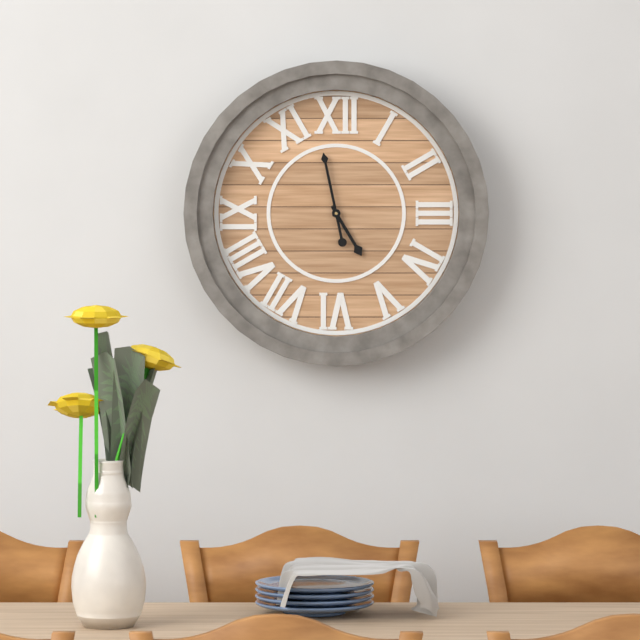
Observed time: **4:58**
